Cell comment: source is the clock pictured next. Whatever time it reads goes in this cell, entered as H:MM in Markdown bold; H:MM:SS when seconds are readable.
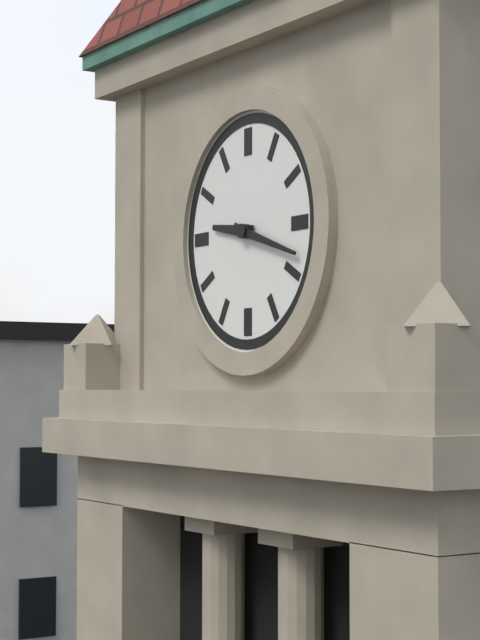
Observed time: **9:18**
